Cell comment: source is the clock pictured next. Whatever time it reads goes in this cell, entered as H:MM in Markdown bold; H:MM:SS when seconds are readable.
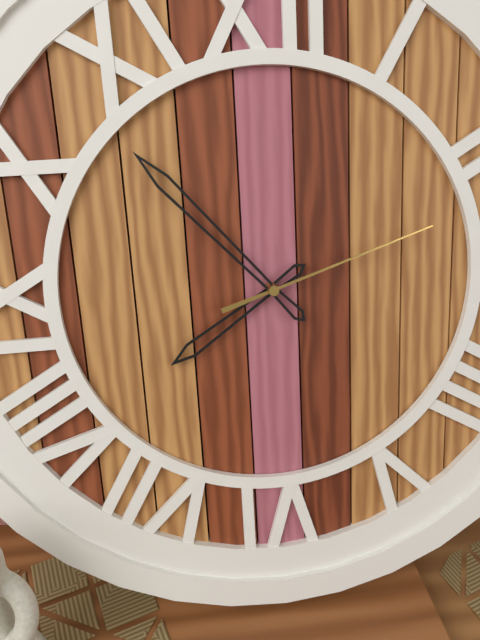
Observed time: **7:53:12**
